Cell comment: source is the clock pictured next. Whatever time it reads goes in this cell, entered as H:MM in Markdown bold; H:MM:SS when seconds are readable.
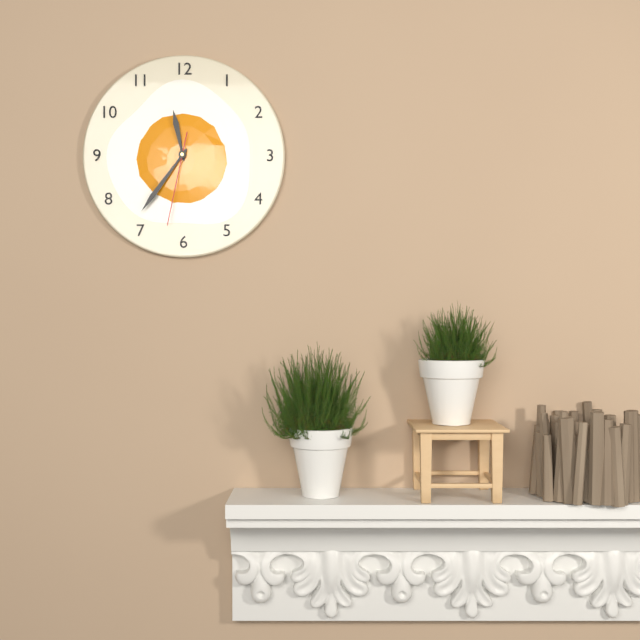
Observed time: **11:36:32**
